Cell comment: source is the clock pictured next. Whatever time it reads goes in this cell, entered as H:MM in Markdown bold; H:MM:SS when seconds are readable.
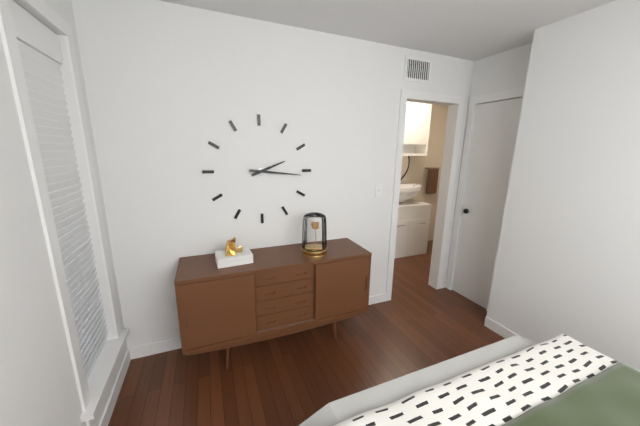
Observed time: **2:16**
